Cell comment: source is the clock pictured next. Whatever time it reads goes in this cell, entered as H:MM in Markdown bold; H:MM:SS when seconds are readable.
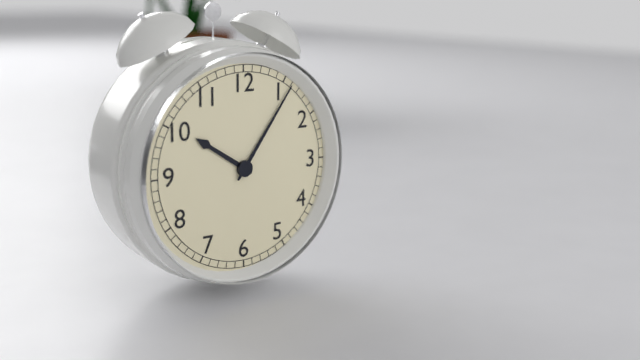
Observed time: **10:06**
